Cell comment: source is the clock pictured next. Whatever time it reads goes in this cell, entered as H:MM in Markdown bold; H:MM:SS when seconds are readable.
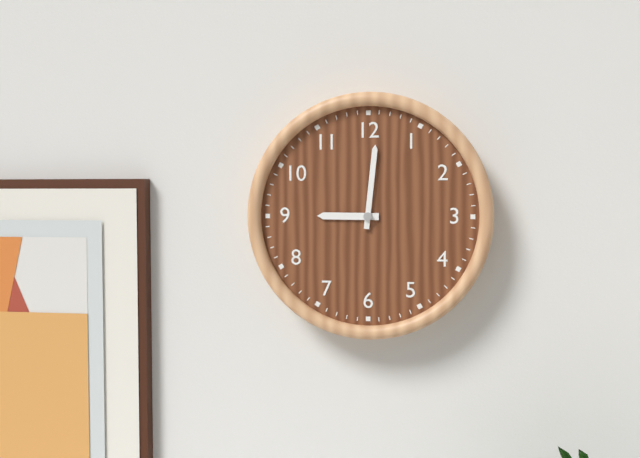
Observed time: **9:01**
